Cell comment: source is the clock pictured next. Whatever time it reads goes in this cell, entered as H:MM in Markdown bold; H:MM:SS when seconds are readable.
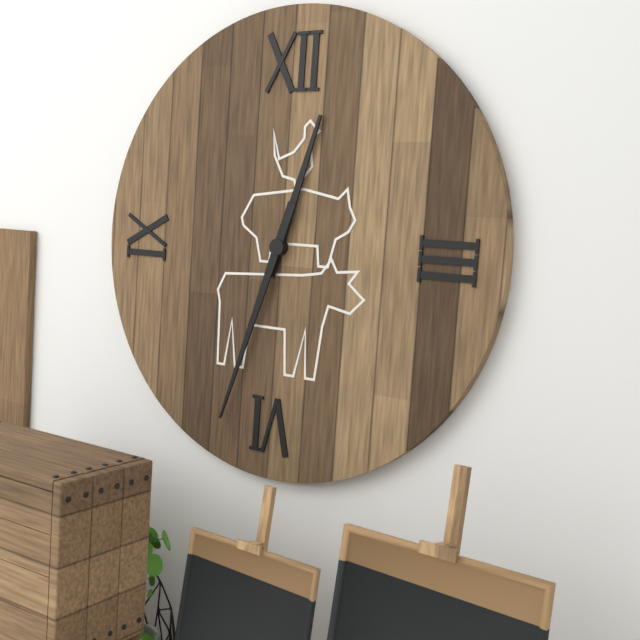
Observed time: **12:33**
